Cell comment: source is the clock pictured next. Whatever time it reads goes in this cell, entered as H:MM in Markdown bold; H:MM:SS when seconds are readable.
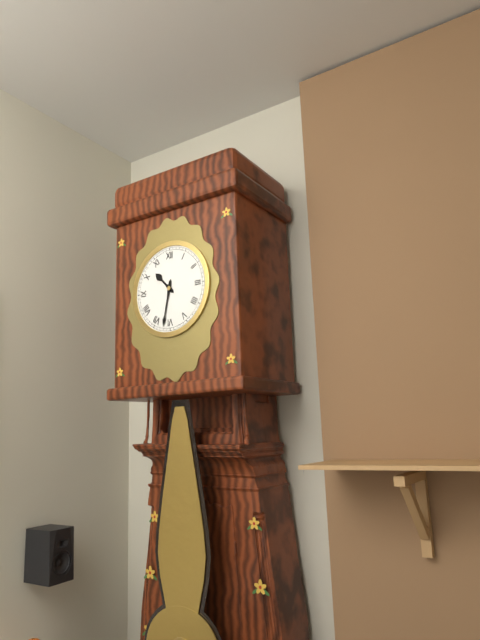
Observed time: **10:32**
